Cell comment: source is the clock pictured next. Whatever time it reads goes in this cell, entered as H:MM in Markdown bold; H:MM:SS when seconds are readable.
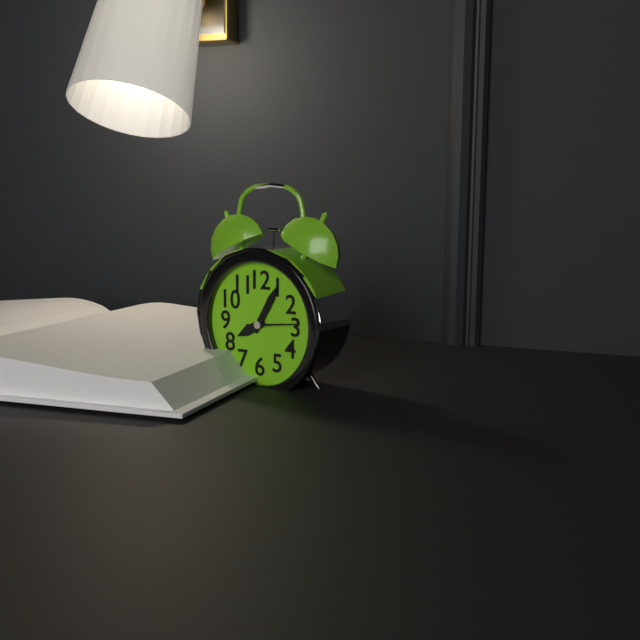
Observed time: **8:05**
